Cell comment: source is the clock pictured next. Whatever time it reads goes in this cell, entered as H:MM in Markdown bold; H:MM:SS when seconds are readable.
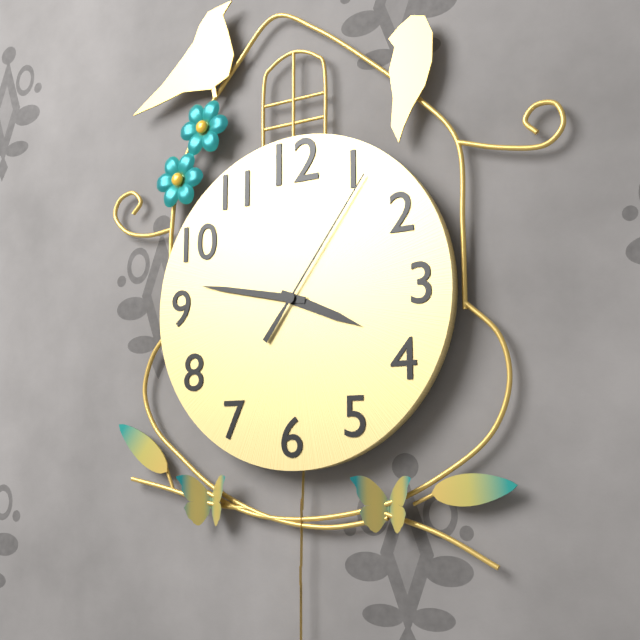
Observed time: **3:47:06**
